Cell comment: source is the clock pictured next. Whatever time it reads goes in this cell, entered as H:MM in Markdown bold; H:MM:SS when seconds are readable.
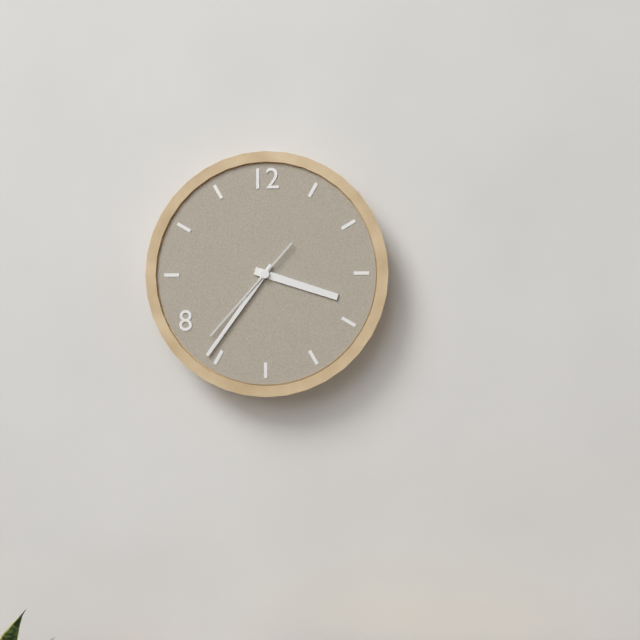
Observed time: **3:36:37**
